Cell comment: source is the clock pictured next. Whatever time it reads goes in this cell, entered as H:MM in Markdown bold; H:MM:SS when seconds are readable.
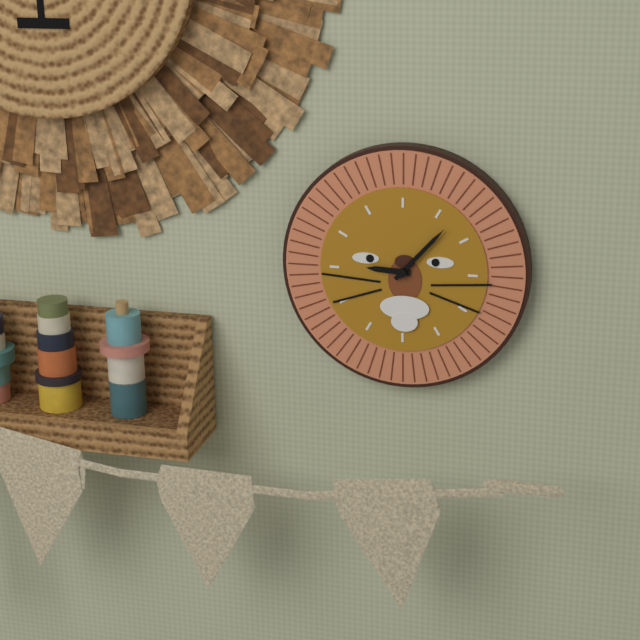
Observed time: **9:07**
